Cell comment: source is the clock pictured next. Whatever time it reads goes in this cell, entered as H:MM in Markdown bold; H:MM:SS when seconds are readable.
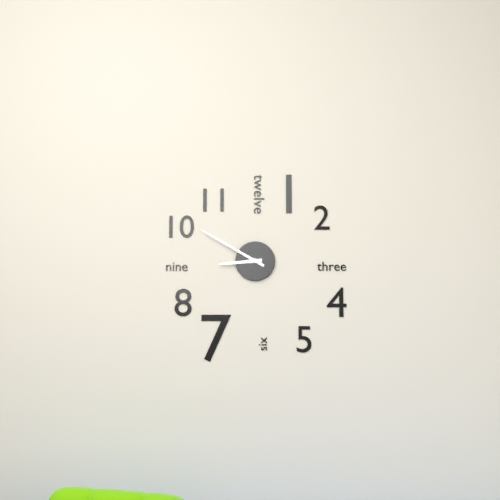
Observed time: **8:50**
